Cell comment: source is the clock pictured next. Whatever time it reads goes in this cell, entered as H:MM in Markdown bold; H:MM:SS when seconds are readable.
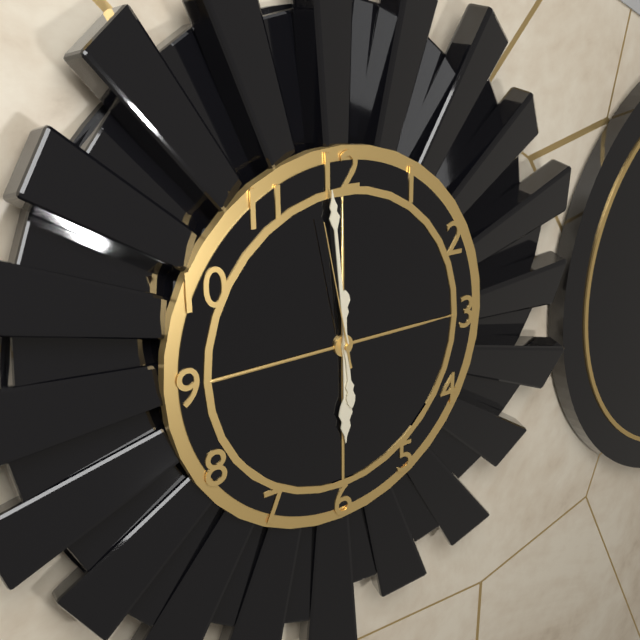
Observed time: **5:59:58**
